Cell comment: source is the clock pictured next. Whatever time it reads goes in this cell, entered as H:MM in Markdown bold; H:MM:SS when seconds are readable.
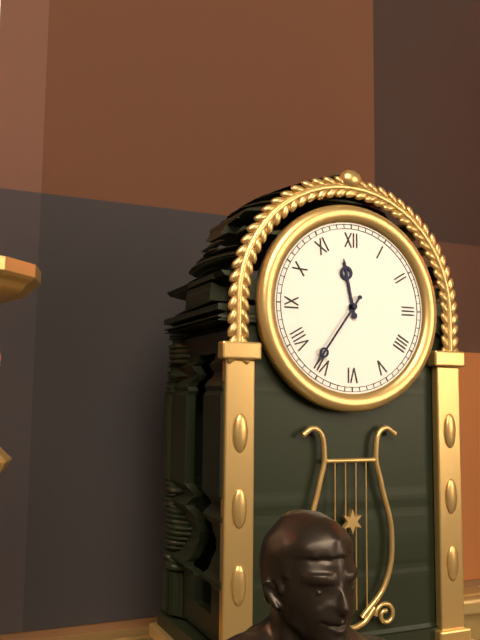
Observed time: **11:36**
